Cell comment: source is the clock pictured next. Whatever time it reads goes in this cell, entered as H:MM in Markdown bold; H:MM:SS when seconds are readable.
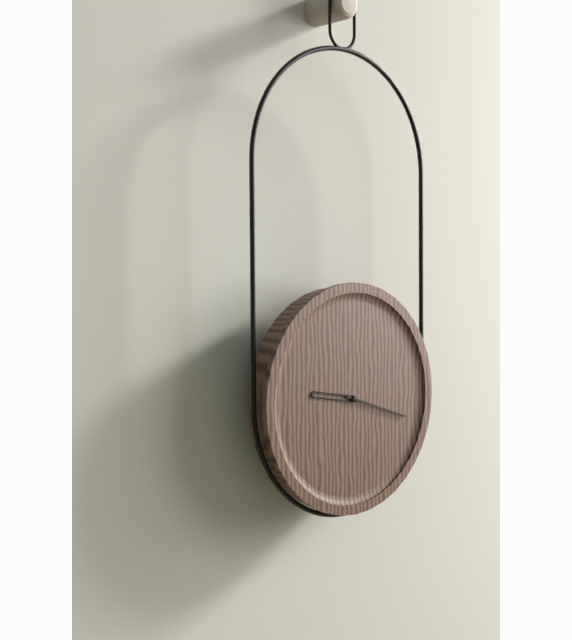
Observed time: **9:18**
